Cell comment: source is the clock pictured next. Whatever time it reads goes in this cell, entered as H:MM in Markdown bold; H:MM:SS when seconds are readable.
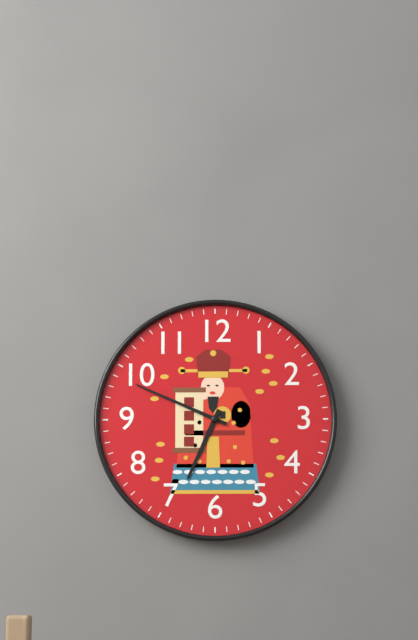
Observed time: **6:49**
